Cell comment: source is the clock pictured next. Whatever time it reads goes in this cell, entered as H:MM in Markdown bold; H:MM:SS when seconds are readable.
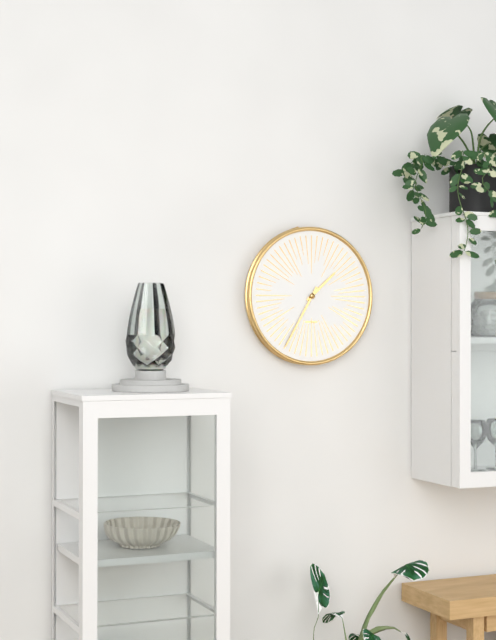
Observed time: **1:35**
